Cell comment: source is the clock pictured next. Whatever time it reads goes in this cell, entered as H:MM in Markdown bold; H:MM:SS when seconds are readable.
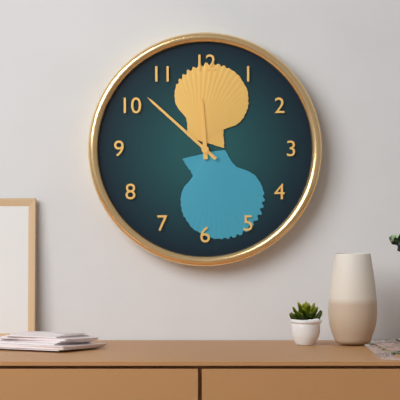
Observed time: **11:52**
